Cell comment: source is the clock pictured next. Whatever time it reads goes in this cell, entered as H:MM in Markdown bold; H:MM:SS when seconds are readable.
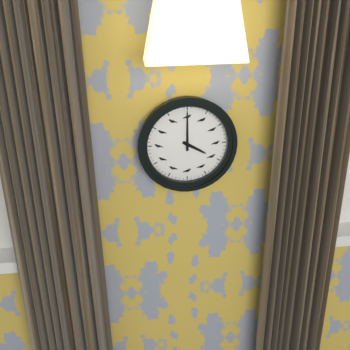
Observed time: **4:00**
